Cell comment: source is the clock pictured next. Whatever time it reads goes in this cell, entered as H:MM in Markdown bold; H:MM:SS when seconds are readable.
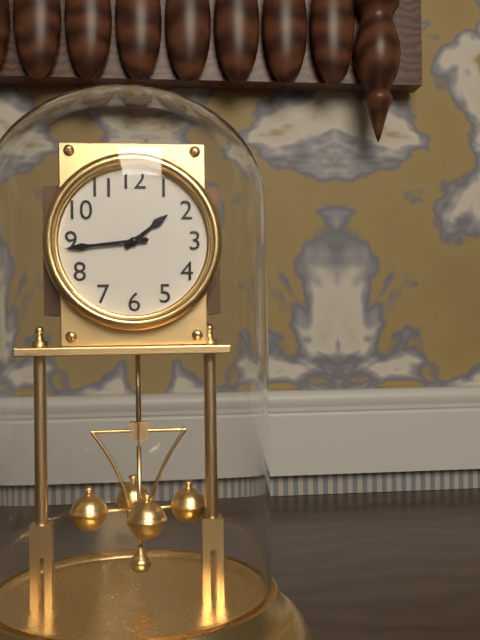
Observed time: **1:44**
